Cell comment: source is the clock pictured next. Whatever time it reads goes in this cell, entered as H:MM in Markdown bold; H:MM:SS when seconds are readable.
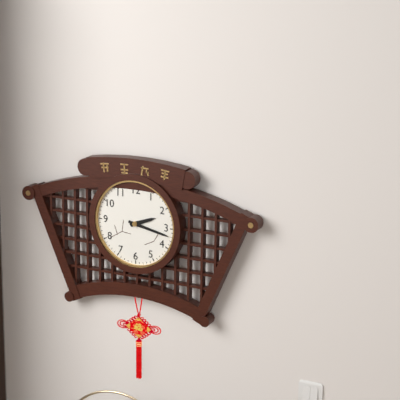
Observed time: **2:17**
